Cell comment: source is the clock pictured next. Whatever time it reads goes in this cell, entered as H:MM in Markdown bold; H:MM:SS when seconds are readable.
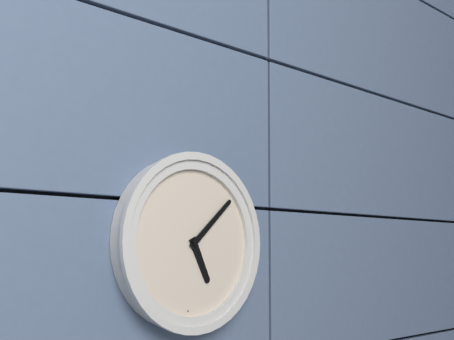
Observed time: **5:08**
